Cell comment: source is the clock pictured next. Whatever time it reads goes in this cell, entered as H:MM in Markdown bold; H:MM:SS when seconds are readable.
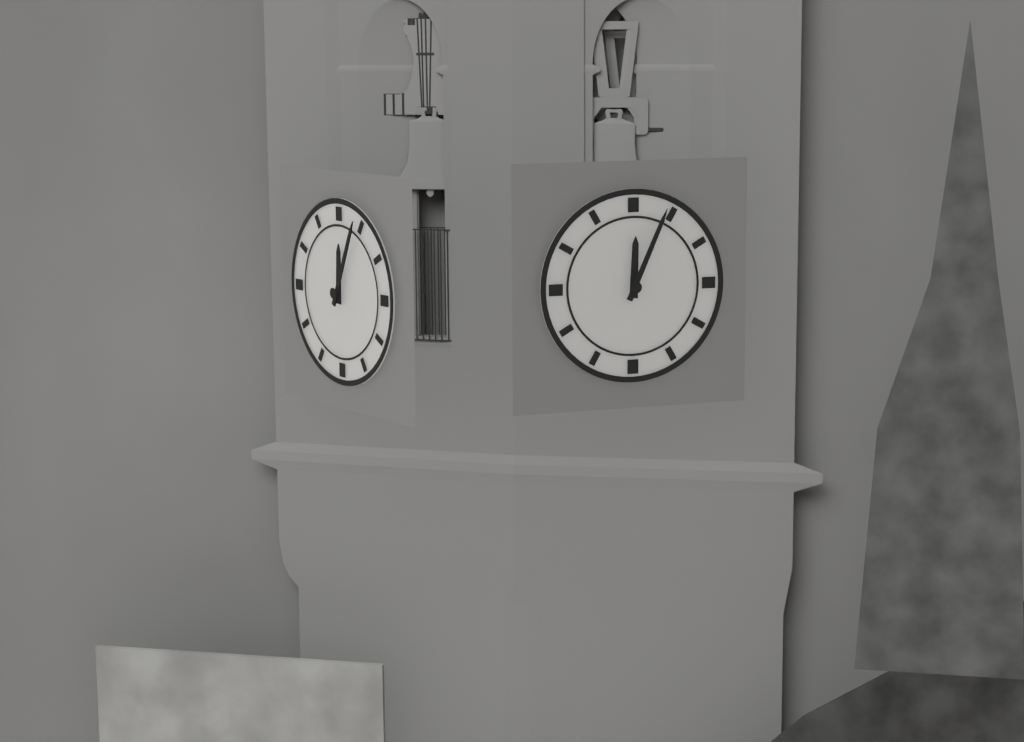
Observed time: **12:04**
